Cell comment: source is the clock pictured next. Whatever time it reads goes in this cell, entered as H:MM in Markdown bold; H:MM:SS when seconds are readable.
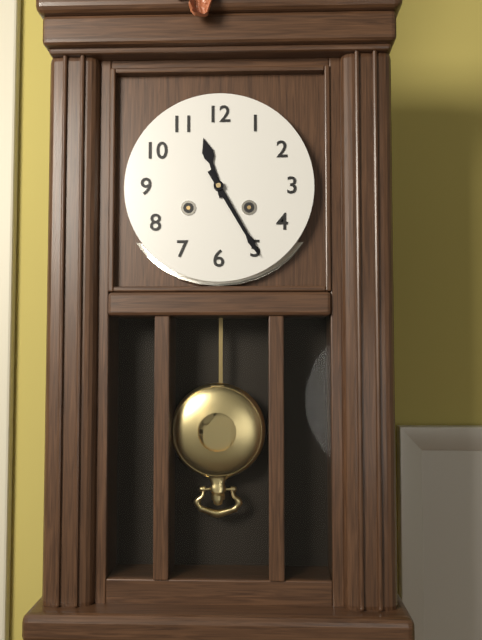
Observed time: **11:25**
